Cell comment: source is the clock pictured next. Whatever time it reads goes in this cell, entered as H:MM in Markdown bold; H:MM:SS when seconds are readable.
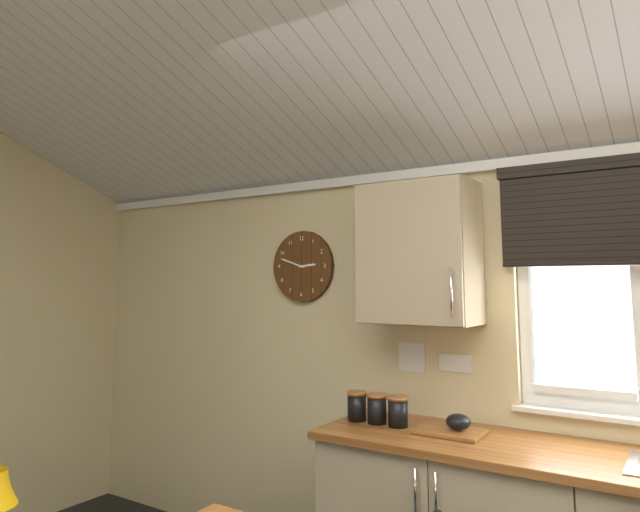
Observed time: **2:48**
